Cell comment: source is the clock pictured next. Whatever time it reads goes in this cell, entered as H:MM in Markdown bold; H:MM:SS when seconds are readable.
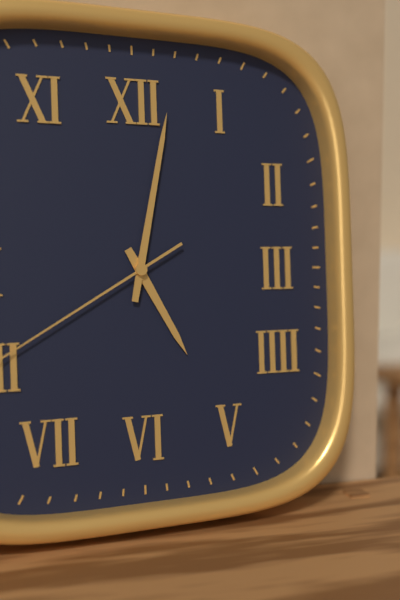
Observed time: **5:02**
